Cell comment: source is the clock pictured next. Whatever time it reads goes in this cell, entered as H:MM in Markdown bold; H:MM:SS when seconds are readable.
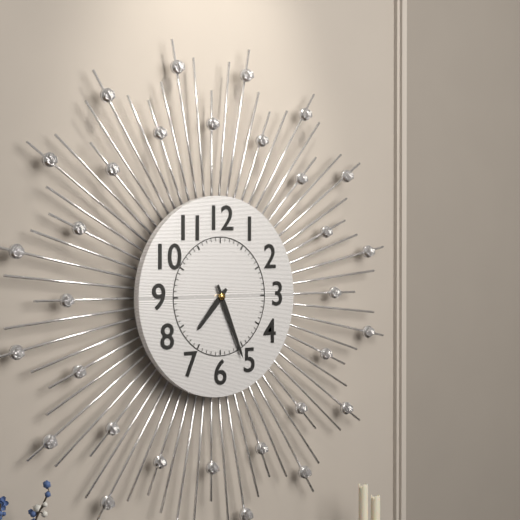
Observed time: **7:26**
